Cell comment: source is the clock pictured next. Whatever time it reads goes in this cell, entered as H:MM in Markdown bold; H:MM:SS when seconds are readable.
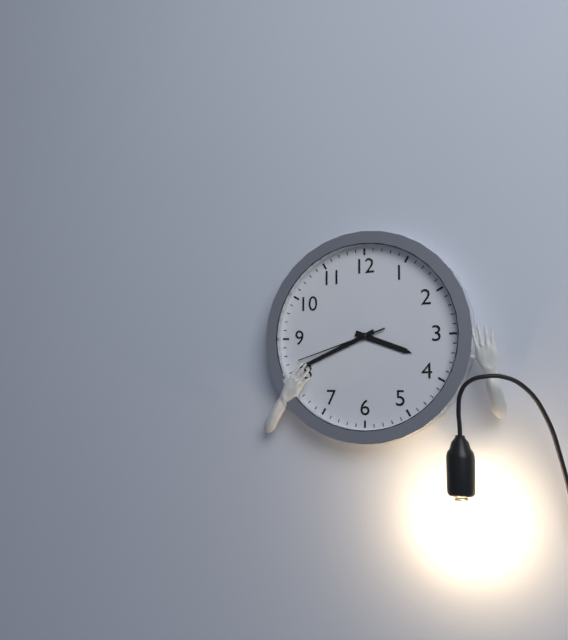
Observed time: **3:41:42**
